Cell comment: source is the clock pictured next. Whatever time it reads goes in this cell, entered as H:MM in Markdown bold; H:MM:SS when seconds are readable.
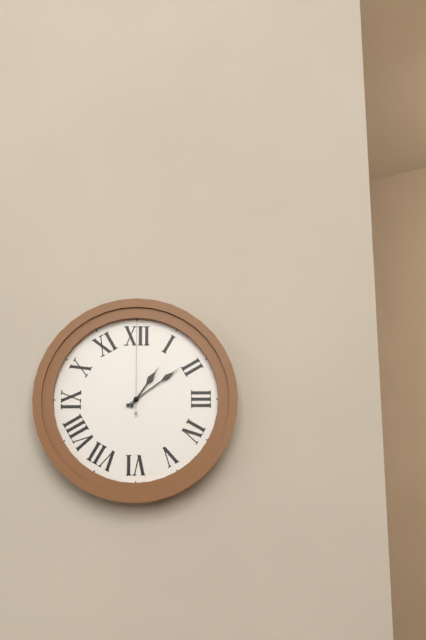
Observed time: **1:09:00**
